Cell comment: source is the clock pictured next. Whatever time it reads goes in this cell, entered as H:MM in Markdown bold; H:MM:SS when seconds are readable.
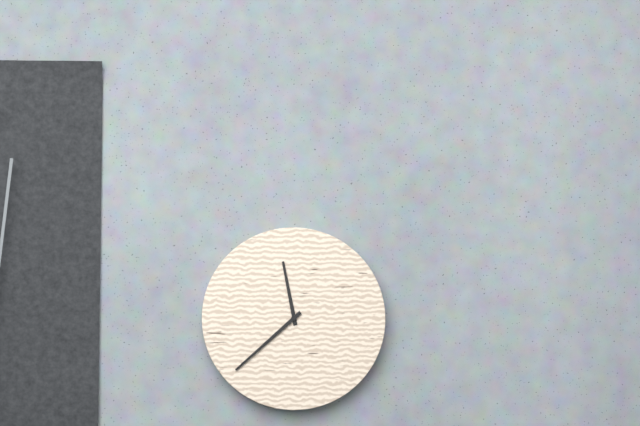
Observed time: **11:38**
